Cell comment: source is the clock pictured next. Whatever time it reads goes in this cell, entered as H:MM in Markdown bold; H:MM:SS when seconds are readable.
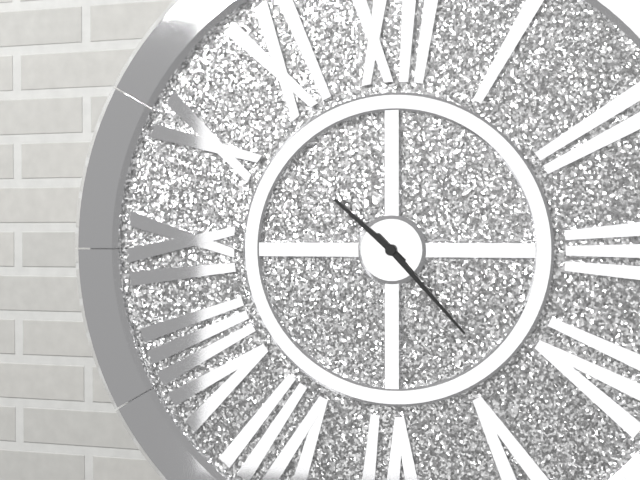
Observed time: **10:23**
